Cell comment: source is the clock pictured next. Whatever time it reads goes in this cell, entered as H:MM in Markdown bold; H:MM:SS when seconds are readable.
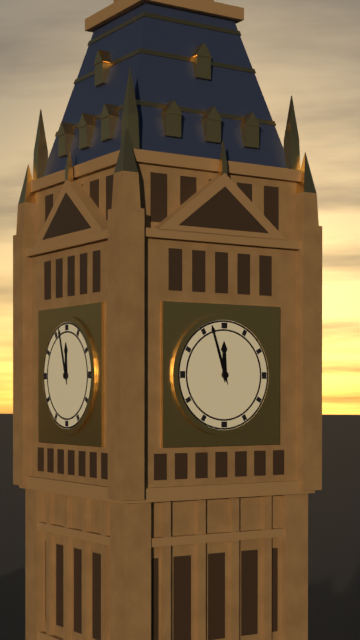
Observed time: **11:57**
